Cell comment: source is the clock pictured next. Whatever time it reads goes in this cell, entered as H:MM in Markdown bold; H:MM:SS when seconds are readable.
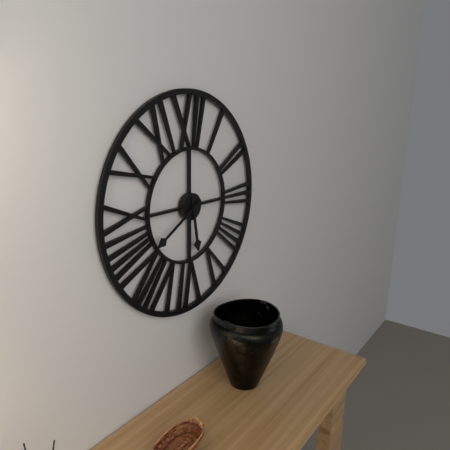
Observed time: **5:40**
